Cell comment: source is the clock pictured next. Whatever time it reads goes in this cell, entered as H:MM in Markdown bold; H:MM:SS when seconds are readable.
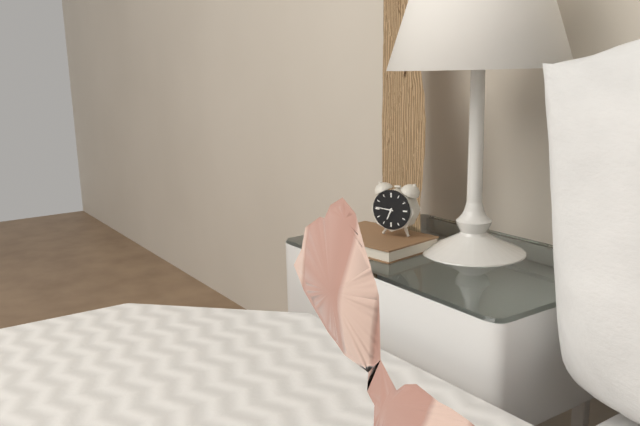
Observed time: **6:46**
